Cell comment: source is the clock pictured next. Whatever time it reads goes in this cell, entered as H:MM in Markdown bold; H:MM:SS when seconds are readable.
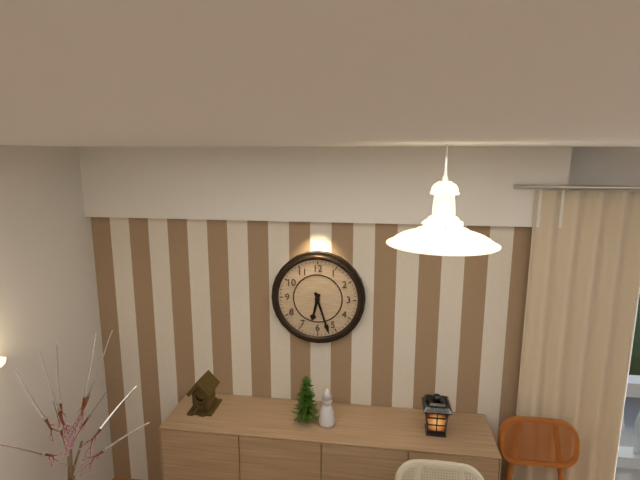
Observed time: **6:27**
